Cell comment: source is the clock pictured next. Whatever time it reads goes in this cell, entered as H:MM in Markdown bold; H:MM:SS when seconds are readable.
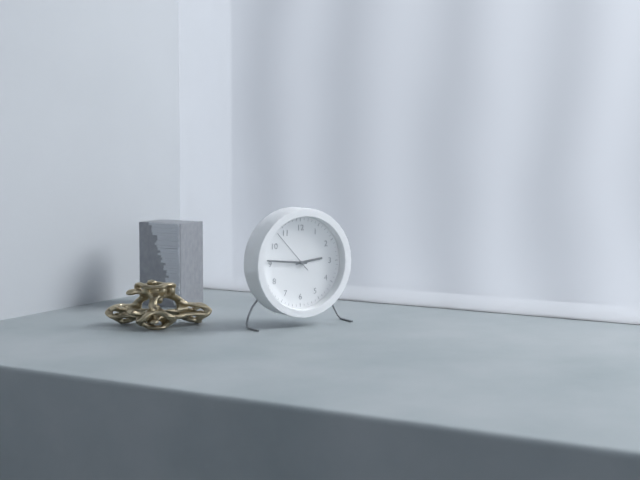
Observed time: **2:46**
